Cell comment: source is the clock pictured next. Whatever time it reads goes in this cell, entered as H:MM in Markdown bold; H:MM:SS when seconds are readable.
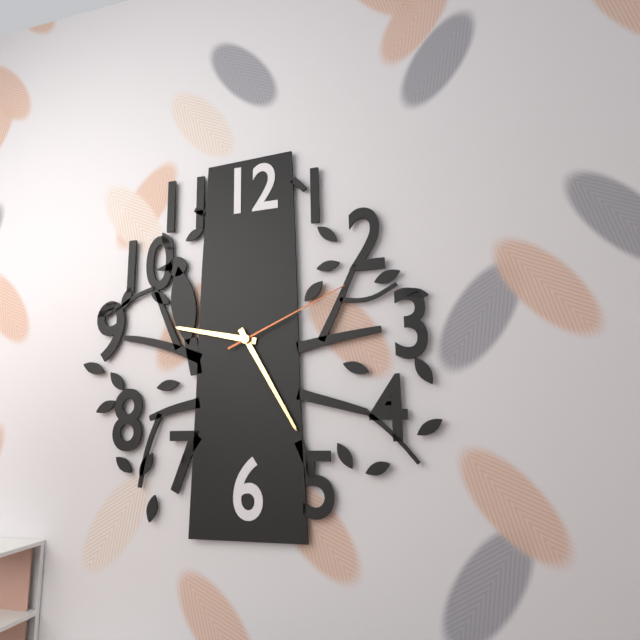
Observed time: **9:25:11**
